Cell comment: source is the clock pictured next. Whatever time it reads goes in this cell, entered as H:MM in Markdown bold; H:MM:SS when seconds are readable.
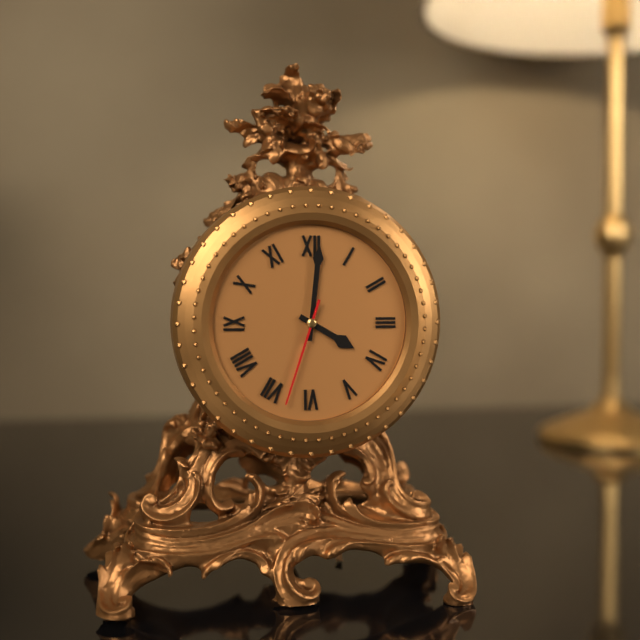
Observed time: **4:01:33**
